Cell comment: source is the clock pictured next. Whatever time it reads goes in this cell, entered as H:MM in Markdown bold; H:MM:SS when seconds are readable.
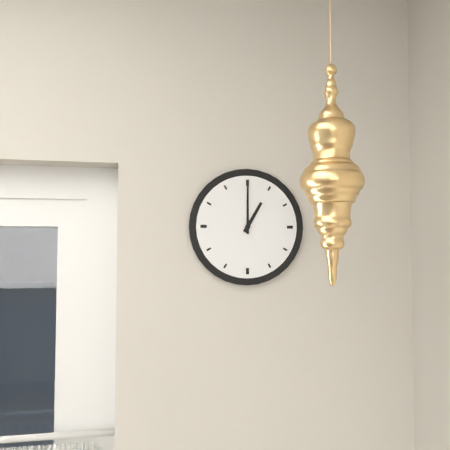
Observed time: **1:00**
